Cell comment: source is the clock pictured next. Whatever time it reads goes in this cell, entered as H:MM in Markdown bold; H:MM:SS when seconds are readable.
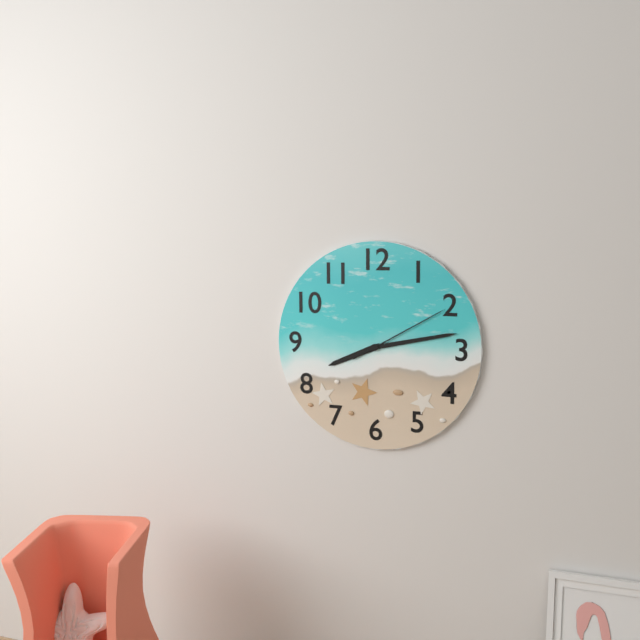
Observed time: **8:13:10**
